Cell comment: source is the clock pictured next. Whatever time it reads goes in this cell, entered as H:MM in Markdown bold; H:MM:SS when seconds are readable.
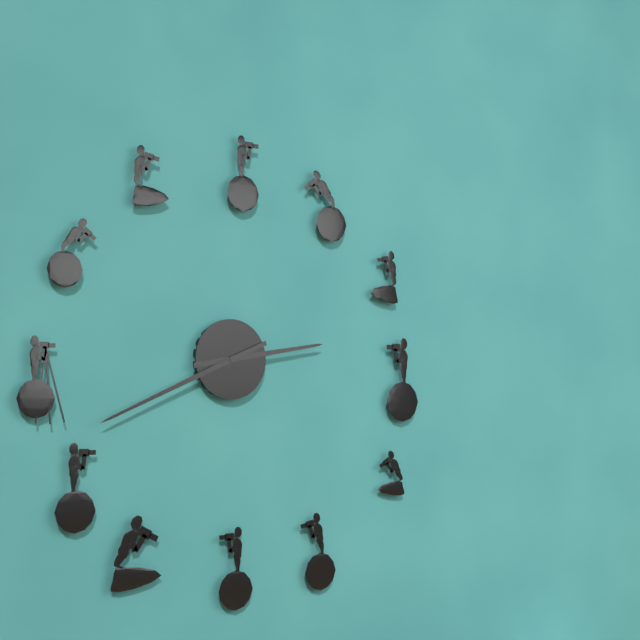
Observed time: **2:41**
